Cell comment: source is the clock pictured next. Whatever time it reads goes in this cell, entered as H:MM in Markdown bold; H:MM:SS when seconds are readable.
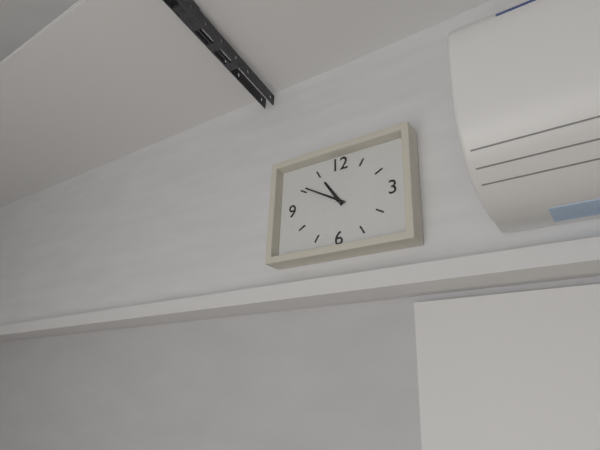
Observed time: **10:50**
